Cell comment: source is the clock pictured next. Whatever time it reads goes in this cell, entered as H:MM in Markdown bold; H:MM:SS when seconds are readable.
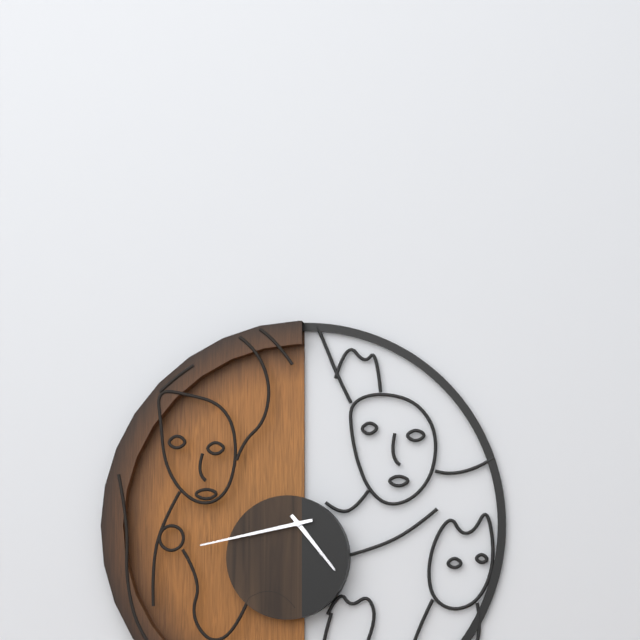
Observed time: **4:43**
